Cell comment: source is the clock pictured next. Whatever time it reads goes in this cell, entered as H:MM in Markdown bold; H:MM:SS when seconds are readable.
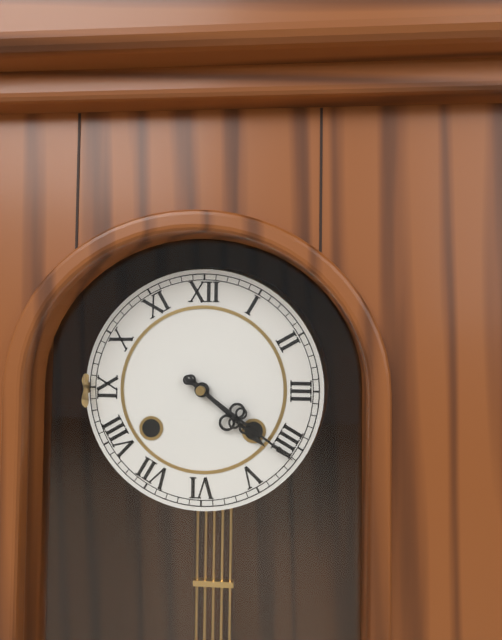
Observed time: **4:21**
